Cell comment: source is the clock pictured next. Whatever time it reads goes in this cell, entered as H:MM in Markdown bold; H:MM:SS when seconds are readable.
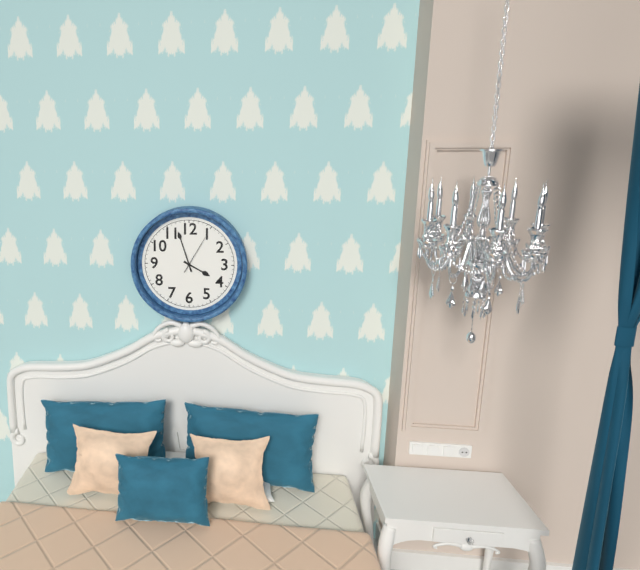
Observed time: **3:57**
